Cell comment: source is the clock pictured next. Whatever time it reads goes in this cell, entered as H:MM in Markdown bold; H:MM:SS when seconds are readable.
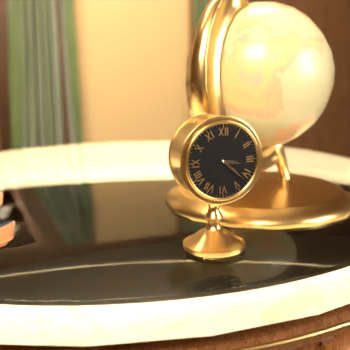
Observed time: **3:22**
